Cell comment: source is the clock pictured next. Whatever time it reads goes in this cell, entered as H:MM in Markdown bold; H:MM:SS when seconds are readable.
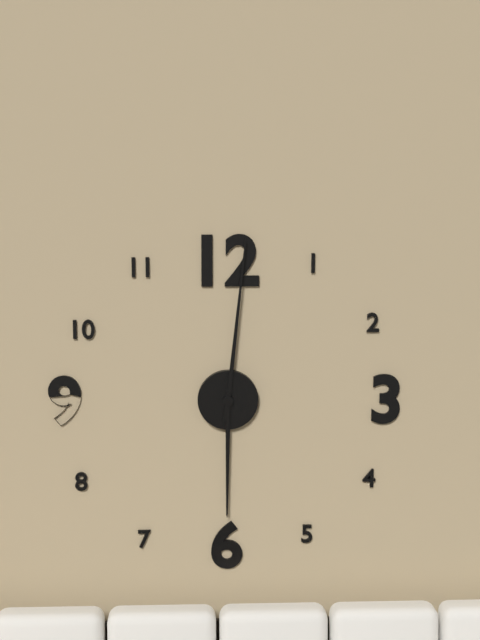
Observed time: **6:01**
